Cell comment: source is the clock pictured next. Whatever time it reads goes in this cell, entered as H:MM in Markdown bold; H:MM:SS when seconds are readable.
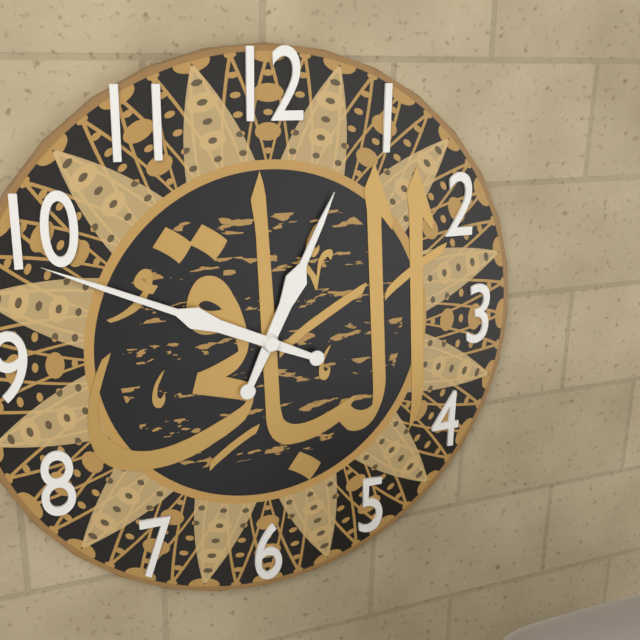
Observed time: **12:49**
